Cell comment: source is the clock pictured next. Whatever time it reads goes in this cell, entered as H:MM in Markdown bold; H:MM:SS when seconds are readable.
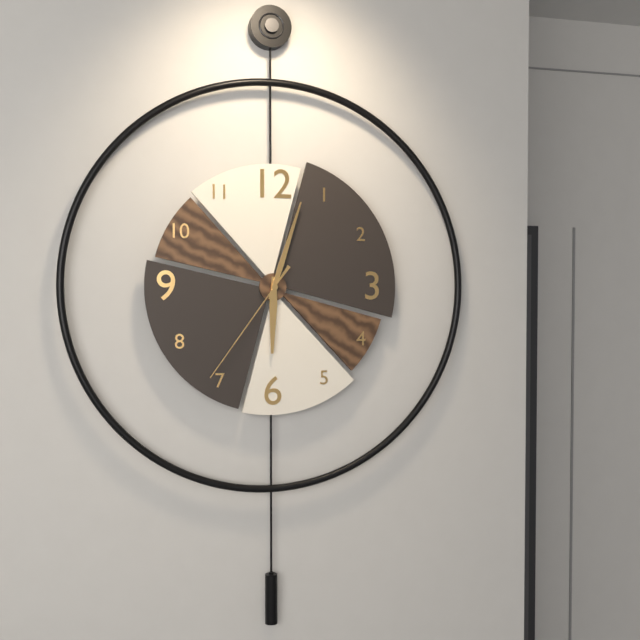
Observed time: **6:03:36**
